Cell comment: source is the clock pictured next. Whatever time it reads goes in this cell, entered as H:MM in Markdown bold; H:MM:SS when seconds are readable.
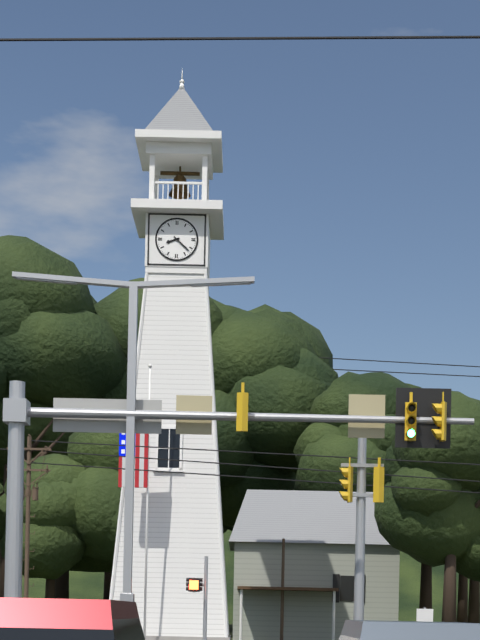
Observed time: **8:22**
